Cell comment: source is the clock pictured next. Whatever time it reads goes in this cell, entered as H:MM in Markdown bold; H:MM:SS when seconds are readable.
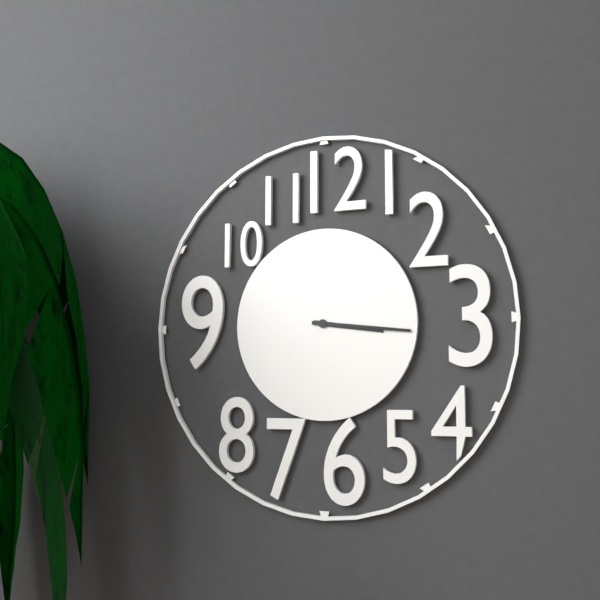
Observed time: **3:16**
